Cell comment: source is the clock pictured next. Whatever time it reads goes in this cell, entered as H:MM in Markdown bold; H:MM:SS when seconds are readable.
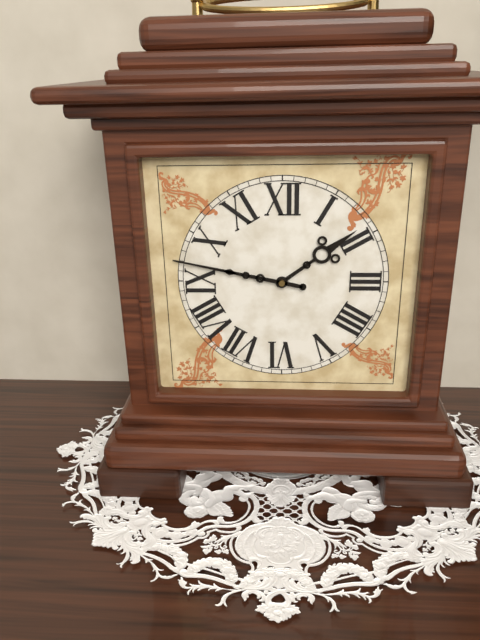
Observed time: **1:47**
